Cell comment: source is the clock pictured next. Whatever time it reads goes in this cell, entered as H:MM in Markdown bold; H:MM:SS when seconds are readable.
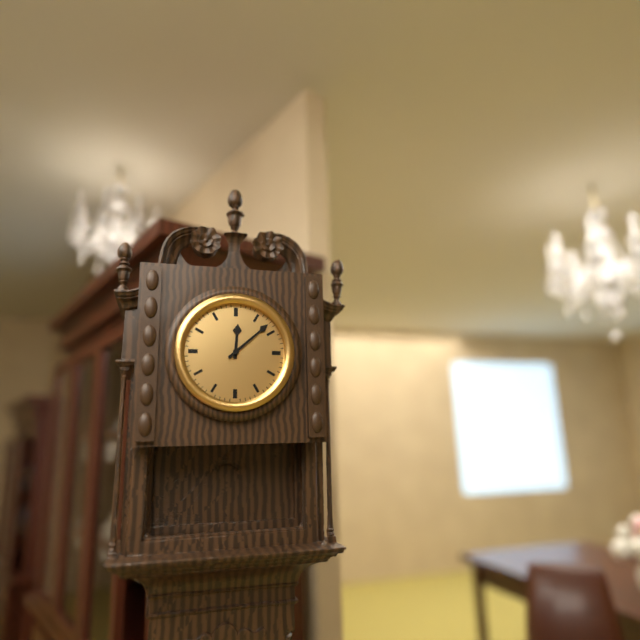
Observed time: **12:08**
